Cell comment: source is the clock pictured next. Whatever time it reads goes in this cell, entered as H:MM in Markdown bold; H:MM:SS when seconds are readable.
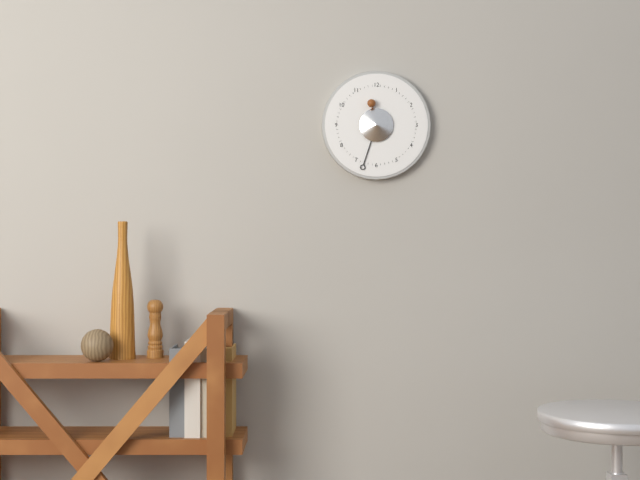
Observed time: **11:33**
